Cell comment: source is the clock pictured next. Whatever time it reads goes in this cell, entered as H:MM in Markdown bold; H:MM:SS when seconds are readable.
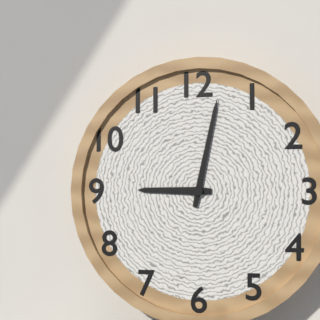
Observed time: **9:02**
